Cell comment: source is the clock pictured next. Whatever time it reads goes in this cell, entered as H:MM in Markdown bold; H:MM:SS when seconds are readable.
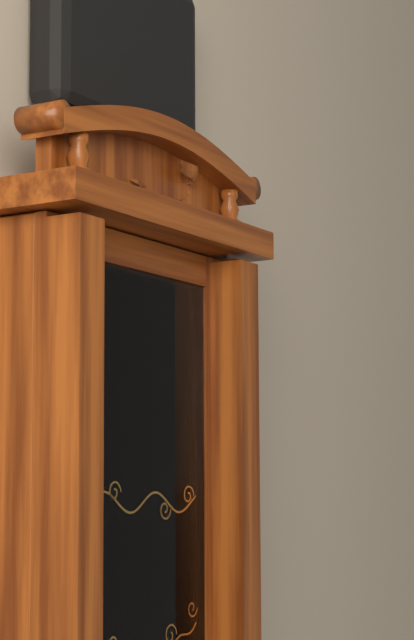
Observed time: **1:25:17**
